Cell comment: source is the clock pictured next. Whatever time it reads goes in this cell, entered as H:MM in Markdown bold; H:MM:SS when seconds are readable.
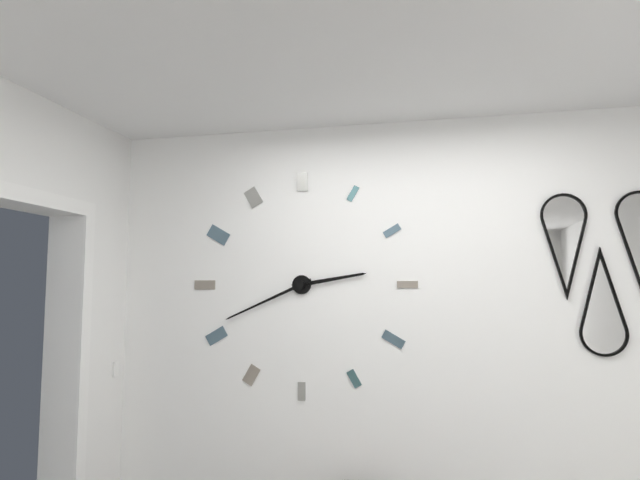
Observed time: **2:41**
